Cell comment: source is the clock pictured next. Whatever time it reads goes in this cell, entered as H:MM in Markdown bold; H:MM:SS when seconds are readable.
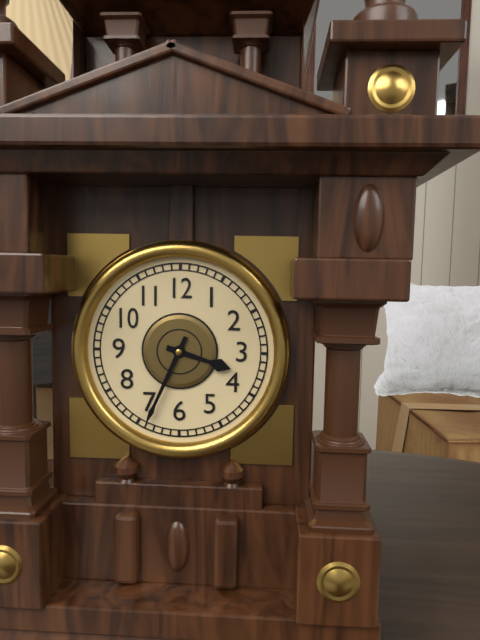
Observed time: **3:34**
